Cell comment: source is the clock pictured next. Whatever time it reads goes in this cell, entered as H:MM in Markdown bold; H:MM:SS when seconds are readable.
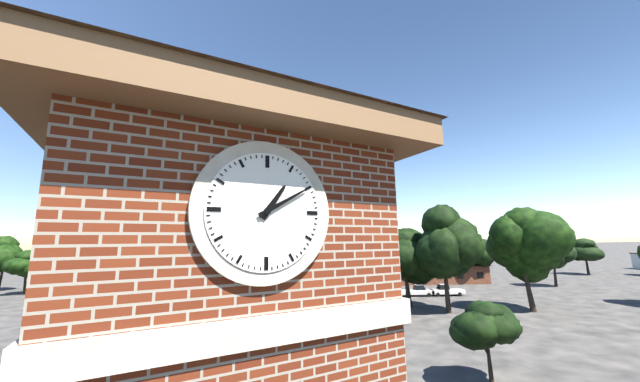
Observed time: **1:10**
